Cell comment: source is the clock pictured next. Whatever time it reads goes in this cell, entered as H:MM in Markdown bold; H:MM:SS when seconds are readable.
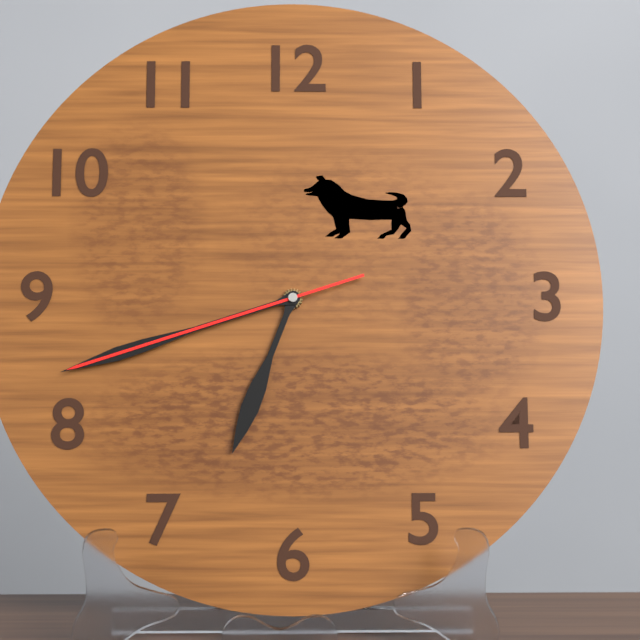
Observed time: **6:42:42**
